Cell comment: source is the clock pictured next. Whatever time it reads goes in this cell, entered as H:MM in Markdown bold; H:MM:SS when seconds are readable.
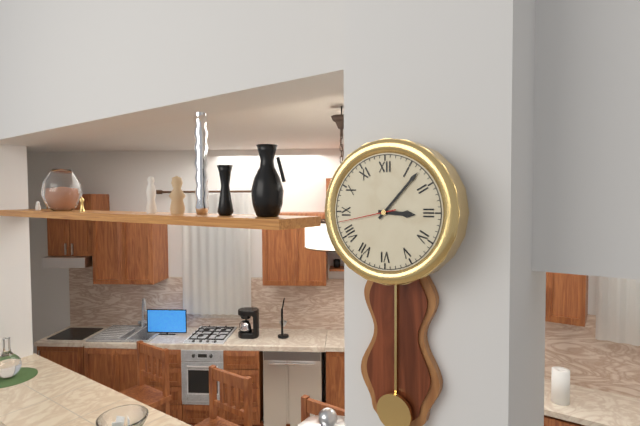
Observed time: **3:07:43**
